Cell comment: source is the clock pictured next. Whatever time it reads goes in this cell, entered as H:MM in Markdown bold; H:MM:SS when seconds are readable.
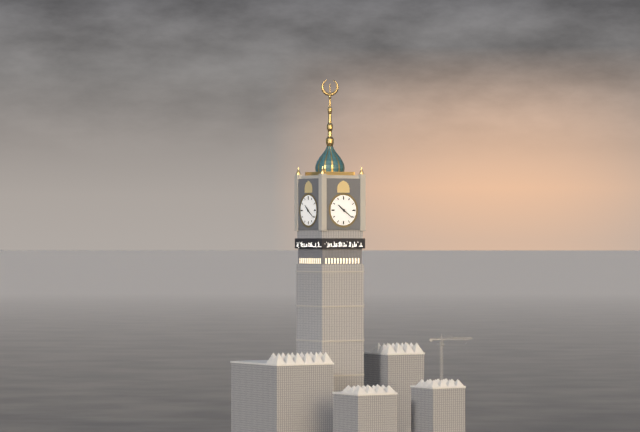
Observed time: **10:21**
